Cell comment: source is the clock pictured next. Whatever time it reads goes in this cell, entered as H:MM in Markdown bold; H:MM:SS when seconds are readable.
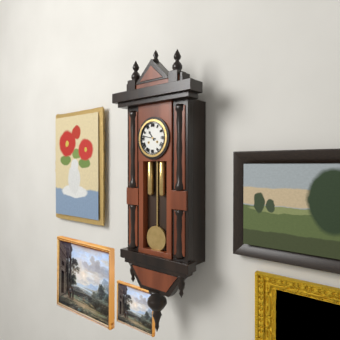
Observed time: **10:47**
